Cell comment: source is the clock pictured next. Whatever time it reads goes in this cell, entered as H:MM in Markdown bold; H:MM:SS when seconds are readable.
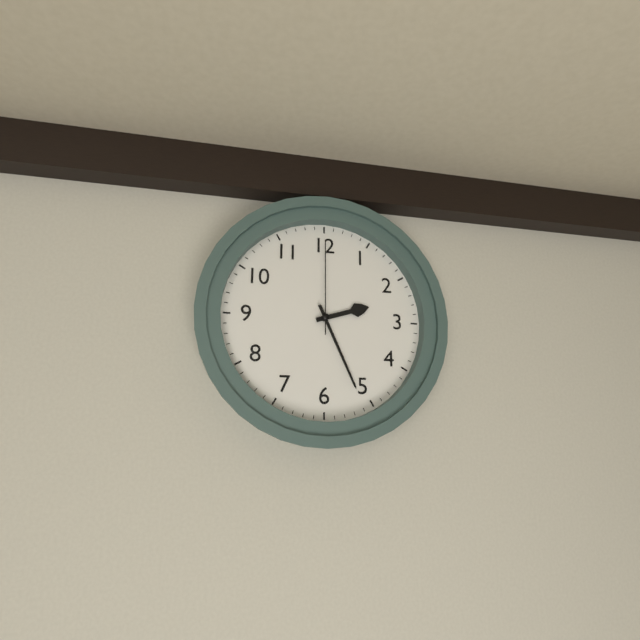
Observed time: **2:26:00**
